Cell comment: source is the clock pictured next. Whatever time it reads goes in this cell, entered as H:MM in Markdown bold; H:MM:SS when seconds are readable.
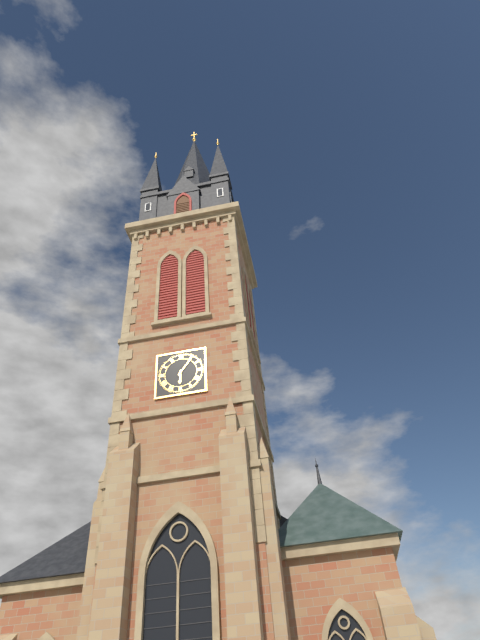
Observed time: **6:06**
